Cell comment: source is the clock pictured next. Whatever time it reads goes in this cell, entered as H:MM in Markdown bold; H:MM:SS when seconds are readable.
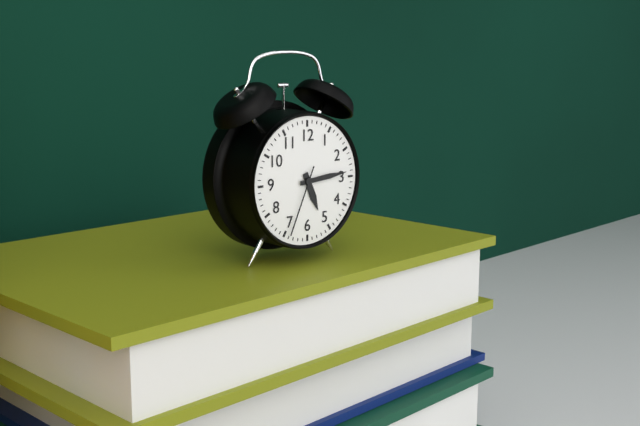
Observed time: **5:14:34**
